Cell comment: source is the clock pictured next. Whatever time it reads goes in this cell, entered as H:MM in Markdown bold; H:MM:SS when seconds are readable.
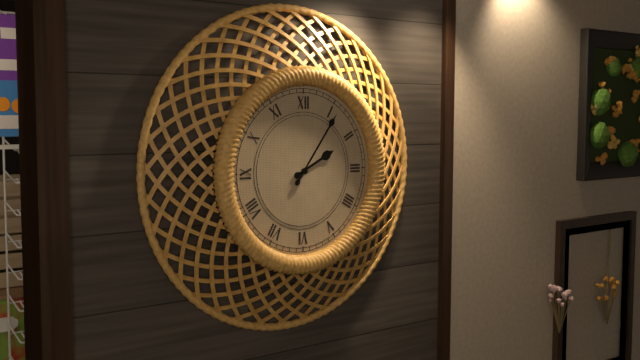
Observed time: **2:06**
